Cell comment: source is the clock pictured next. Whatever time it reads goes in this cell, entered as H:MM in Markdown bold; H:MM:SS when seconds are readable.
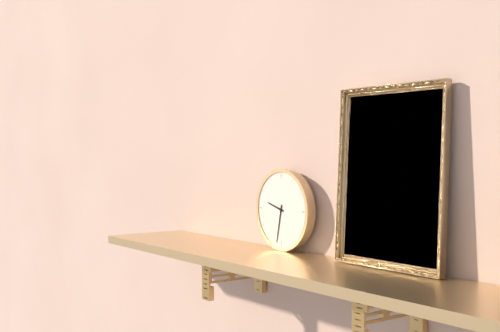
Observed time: **9:32**
